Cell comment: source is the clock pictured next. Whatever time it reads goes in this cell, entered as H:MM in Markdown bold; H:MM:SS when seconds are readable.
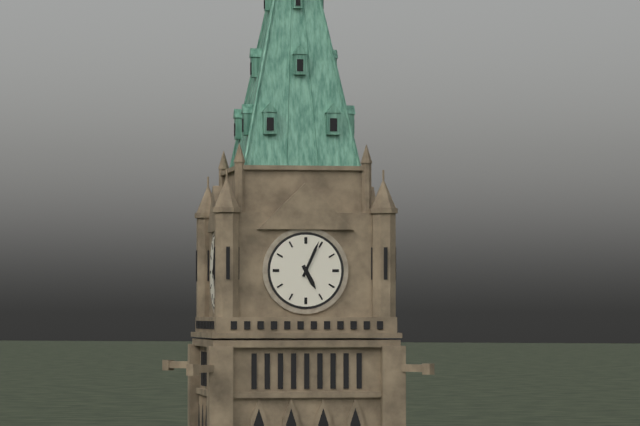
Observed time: **5:04**
